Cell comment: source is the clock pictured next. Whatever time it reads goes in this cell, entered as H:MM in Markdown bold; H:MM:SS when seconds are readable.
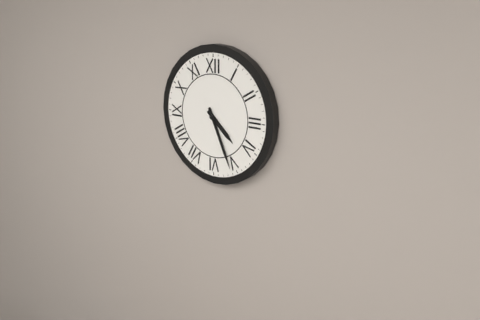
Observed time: **4:26**
